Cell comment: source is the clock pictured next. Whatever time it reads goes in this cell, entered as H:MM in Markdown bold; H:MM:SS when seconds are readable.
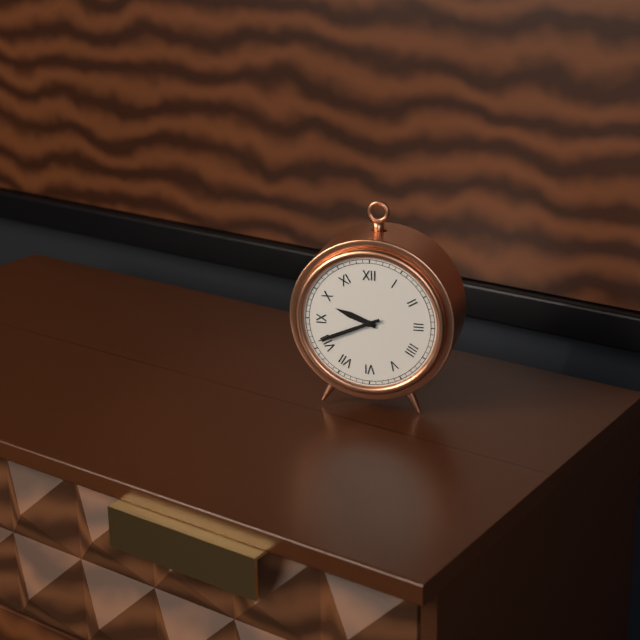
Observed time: **9:41**
